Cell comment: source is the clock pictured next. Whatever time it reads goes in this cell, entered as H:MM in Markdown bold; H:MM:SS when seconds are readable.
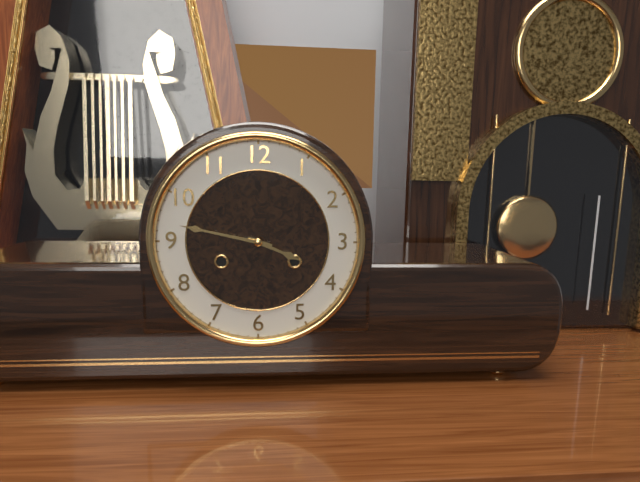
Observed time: **3:47**
